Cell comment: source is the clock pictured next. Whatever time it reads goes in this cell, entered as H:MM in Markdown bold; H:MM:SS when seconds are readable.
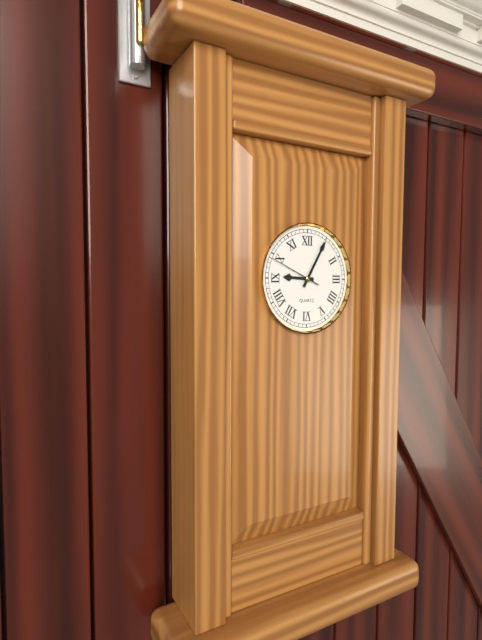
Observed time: **9:05:49**
